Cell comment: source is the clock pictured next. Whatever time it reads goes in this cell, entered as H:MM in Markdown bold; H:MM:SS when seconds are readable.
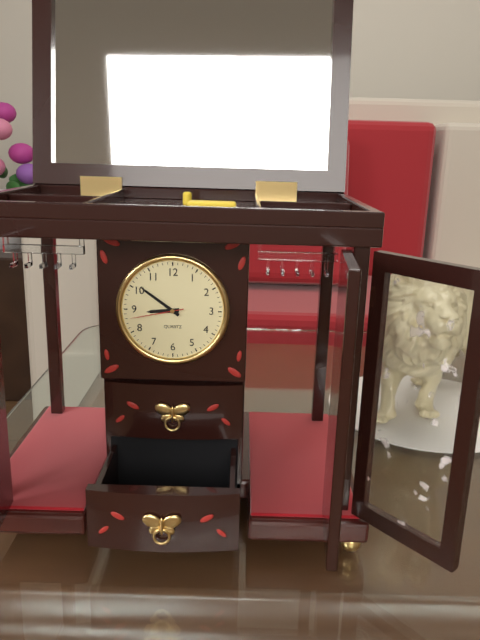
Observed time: **8:51:43**
